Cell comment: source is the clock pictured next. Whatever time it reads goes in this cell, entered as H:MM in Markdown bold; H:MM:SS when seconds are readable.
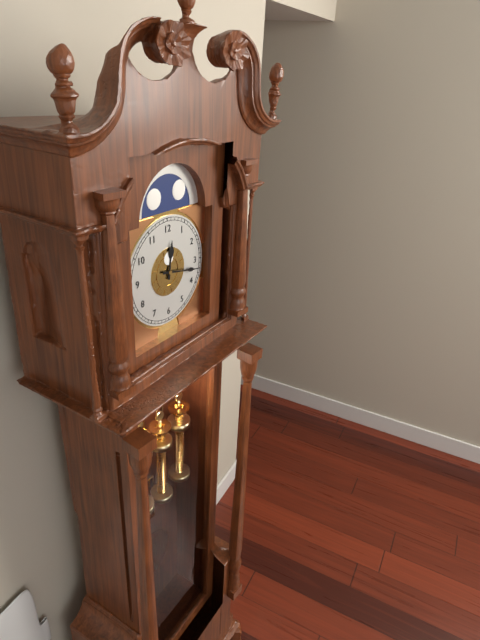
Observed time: **12:17**
